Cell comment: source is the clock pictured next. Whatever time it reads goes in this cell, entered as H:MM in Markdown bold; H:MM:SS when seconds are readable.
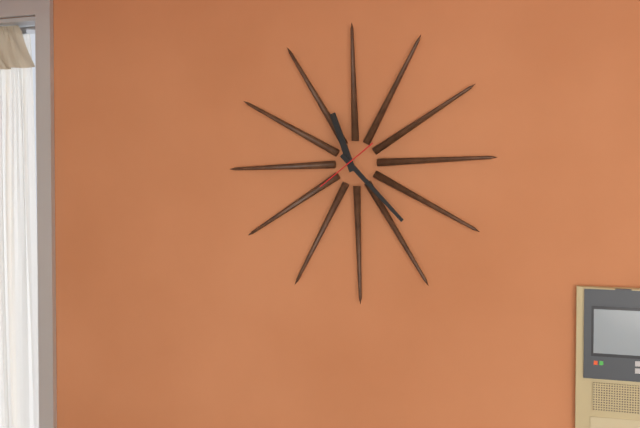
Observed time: **11:23**
